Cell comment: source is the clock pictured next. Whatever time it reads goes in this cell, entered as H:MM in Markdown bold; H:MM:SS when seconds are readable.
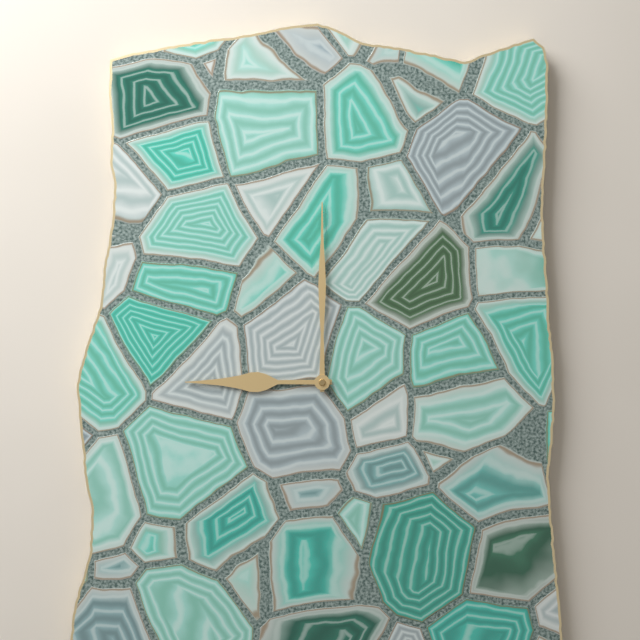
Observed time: **9:00**
